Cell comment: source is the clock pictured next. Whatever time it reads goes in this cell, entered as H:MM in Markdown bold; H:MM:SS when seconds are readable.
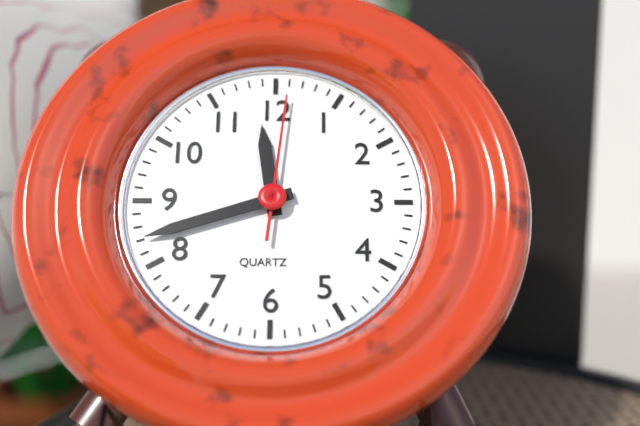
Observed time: **11:42:01**
